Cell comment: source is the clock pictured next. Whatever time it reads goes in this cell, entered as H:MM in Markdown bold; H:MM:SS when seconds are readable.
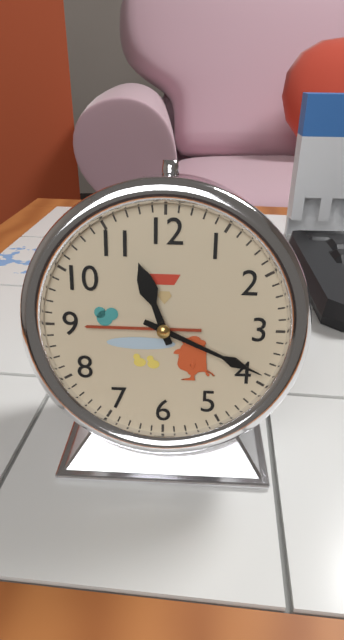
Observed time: **11:19**
